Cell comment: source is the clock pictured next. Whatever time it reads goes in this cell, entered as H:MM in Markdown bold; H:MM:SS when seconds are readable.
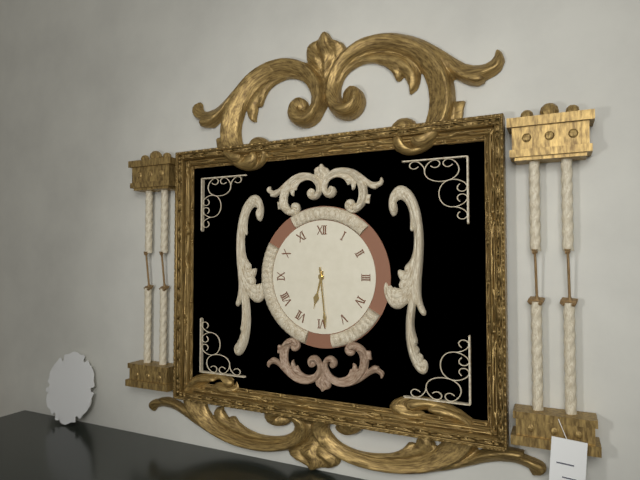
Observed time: **6:29**
